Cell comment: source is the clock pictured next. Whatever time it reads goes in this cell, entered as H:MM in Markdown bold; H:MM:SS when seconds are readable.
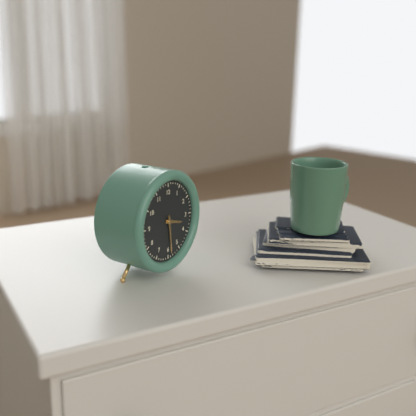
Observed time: **3:29**
